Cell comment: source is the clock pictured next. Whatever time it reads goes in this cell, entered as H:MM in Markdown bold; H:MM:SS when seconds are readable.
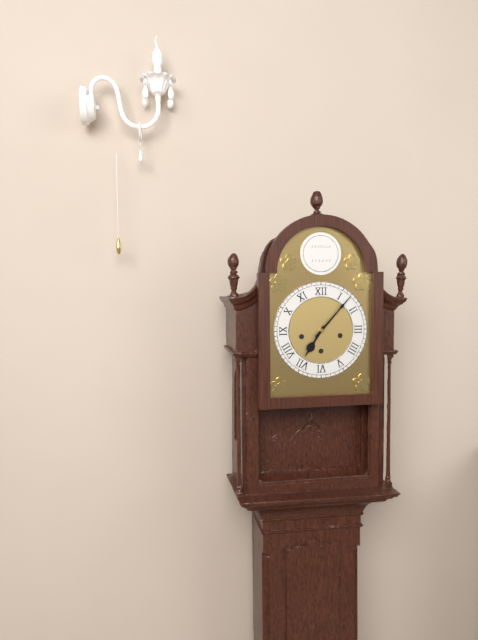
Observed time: **7:07**
